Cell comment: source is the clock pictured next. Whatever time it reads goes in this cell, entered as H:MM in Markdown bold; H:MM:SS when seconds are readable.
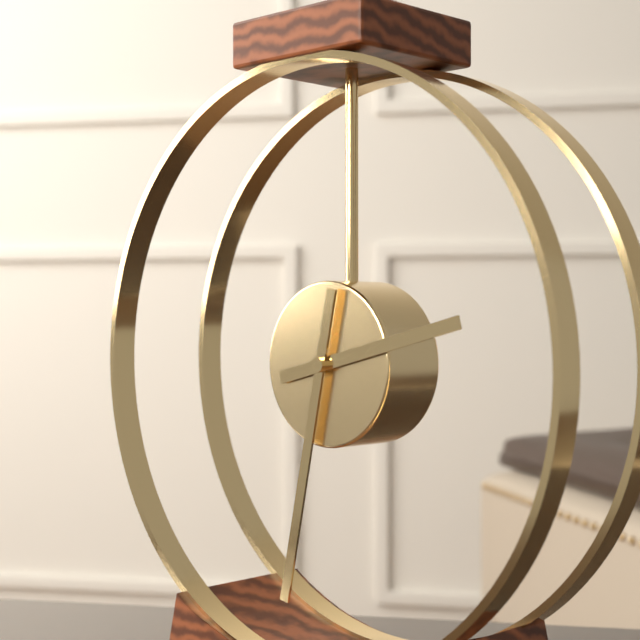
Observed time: **2:32**
